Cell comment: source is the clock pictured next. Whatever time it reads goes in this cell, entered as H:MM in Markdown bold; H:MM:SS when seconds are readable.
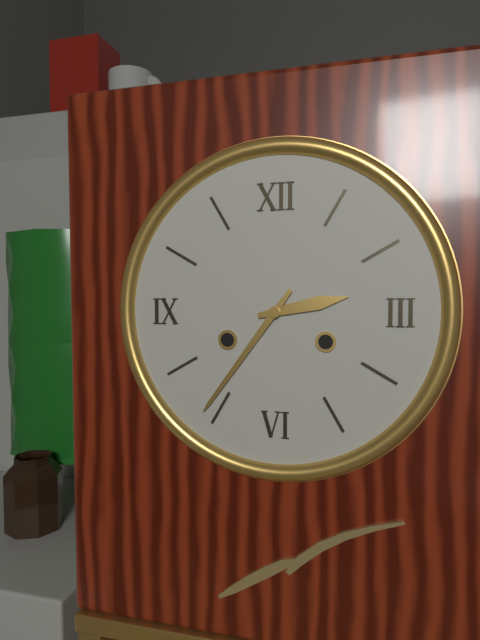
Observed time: **2:36**
